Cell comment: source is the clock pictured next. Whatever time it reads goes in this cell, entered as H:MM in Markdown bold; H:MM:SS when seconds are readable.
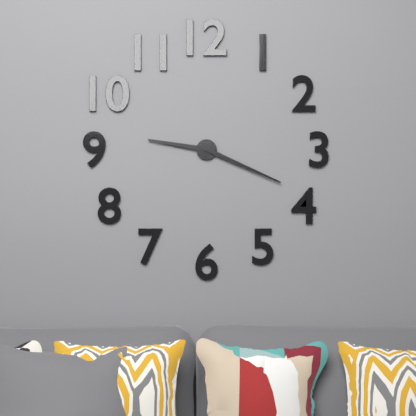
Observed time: **9:19**
